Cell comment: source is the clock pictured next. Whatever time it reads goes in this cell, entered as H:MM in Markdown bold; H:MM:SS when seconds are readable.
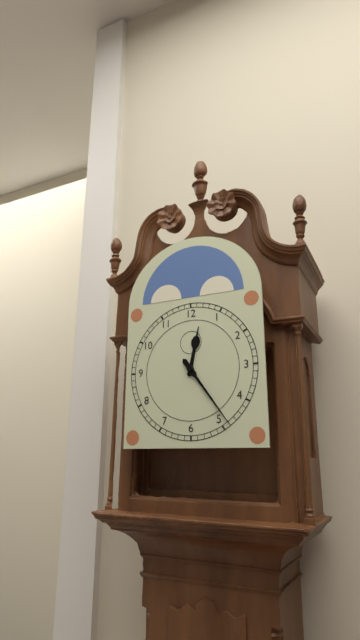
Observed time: **12:24**
